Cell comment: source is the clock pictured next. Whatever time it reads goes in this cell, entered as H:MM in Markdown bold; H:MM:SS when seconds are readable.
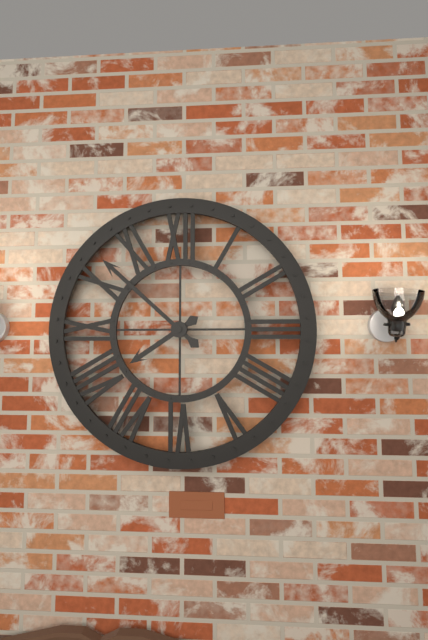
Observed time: **7:52**
